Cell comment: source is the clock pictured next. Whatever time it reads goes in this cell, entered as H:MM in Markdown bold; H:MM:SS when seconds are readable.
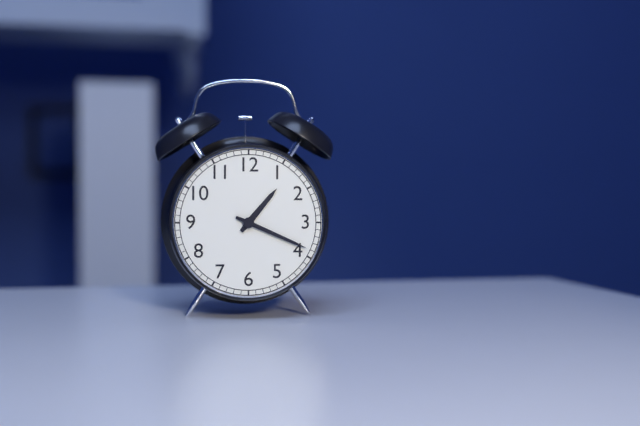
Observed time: **1:19**
